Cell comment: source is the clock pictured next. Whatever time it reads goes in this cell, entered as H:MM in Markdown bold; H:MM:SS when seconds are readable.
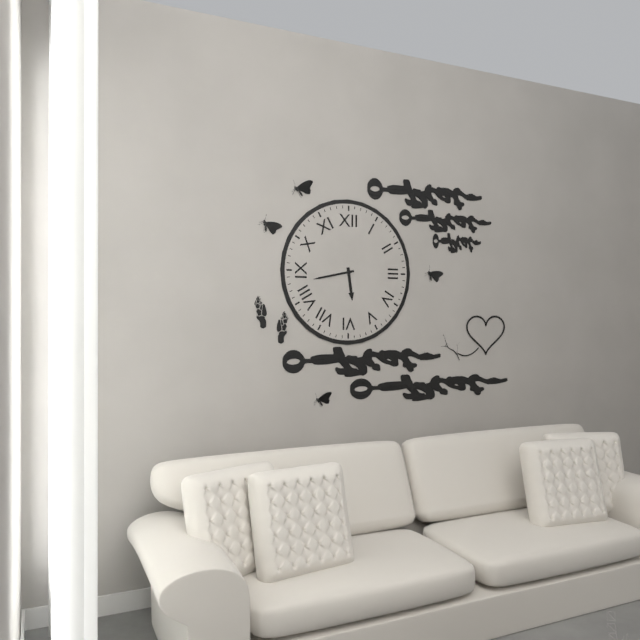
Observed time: **5:43**
